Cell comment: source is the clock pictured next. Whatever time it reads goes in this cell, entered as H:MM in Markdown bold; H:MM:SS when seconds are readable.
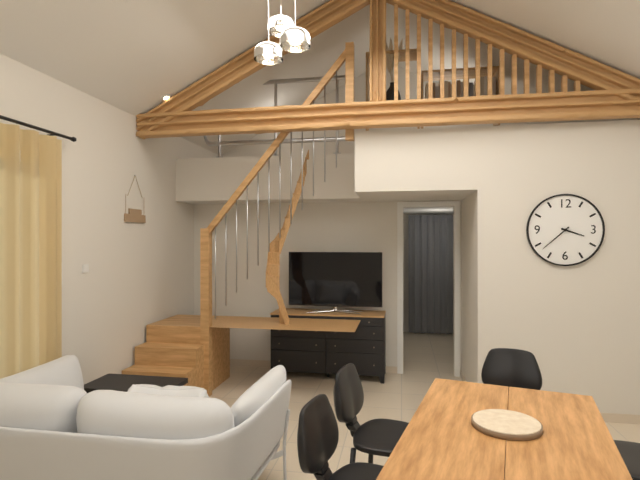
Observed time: **3:38**
